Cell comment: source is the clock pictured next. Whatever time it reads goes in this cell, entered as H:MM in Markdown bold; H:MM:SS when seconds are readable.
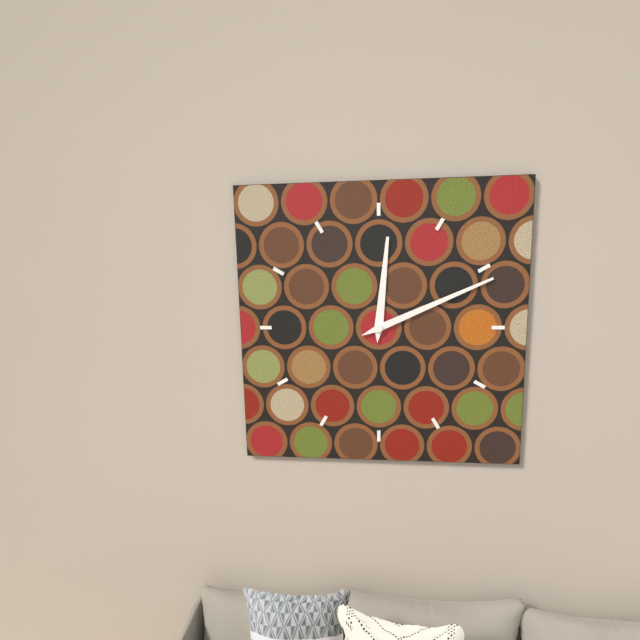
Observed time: **12:11**
